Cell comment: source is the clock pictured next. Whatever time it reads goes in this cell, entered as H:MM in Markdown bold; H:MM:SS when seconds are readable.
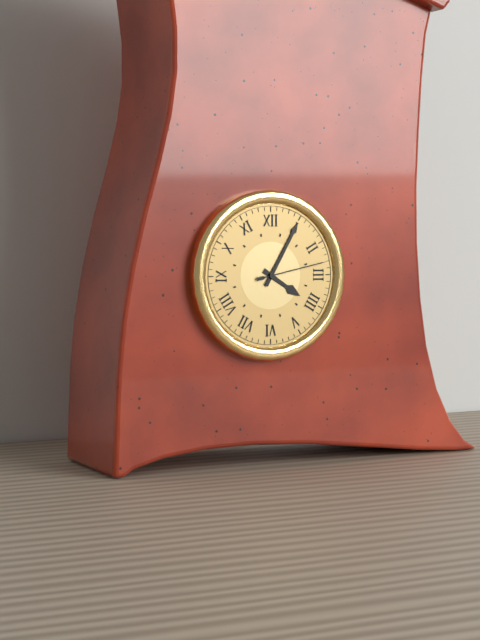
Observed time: **4:05:13**
